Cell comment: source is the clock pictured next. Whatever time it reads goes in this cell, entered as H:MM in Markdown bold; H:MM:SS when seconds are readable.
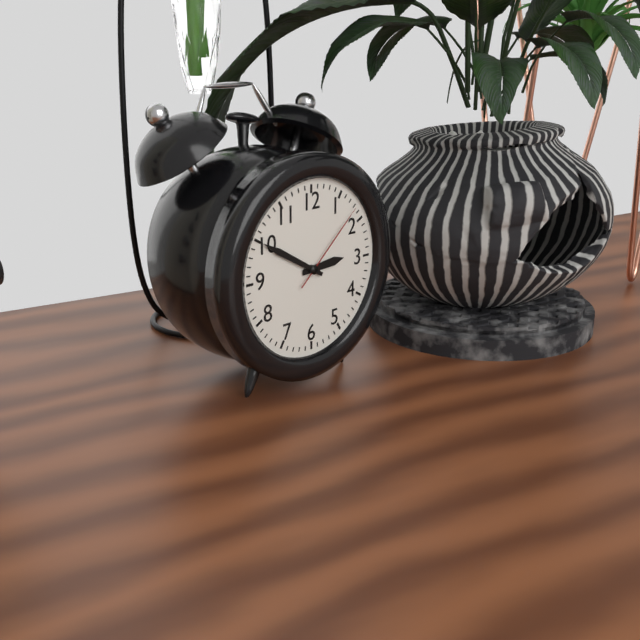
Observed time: **2:50:08**
